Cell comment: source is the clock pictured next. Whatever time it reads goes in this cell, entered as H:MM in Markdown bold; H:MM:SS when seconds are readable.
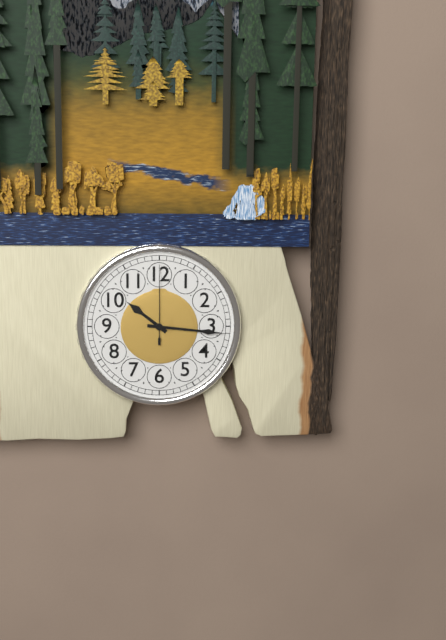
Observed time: **10:16:00**
